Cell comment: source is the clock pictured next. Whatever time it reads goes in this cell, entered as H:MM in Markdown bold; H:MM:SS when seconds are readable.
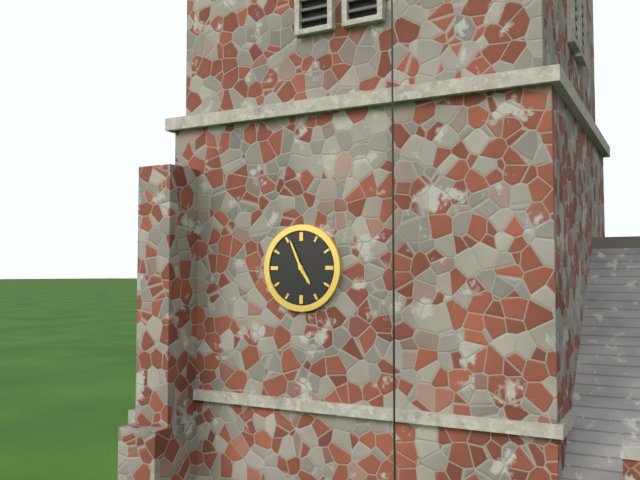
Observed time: **4:56**
